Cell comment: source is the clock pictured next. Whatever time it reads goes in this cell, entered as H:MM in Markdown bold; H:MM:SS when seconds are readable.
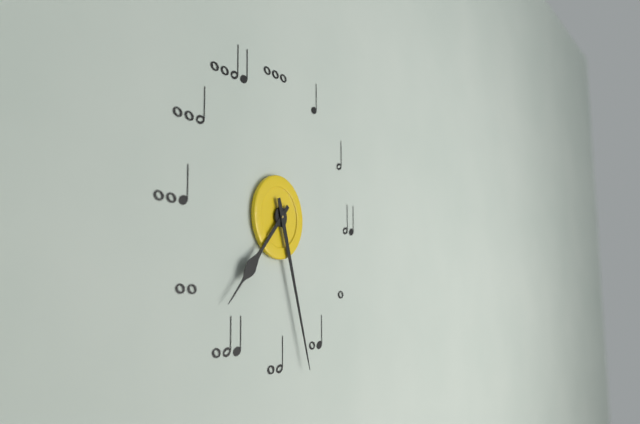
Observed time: **7:27**
